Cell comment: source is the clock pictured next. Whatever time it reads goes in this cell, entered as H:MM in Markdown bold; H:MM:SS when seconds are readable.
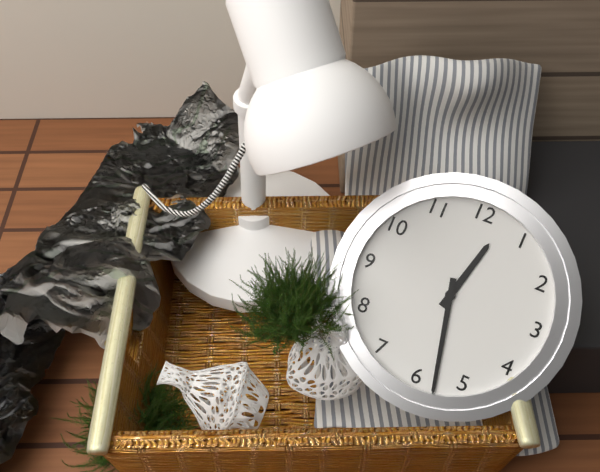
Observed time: **12:28**
